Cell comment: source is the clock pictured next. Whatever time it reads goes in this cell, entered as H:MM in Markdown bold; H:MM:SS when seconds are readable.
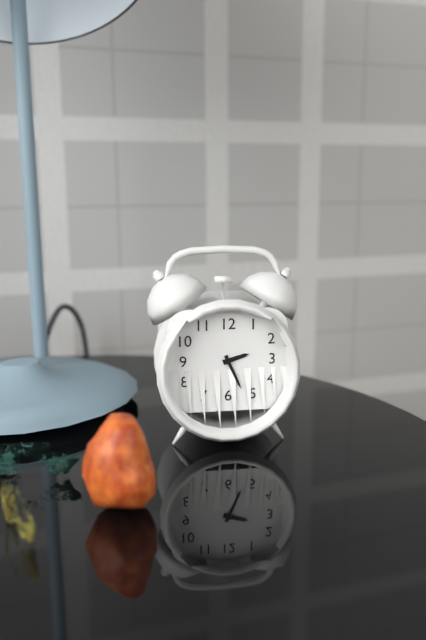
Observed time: **2:26**
